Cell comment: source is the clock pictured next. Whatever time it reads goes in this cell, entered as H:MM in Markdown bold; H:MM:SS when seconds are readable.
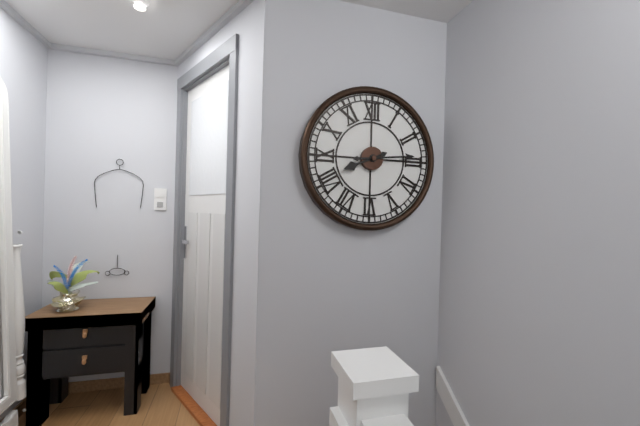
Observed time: **8:14**
